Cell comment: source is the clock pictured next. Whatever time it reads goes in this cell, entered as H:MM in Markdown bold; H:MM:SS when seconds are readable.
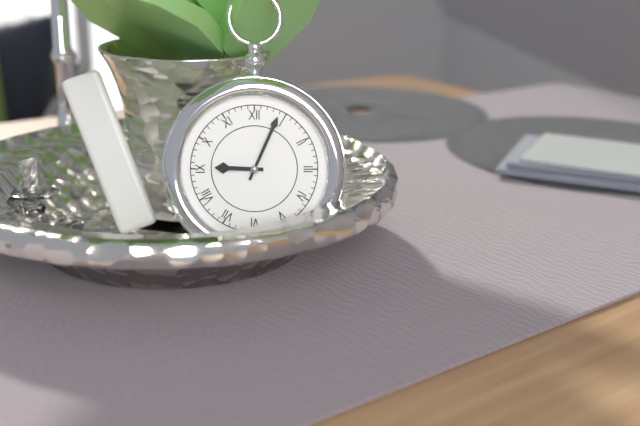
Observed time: **9:04**
